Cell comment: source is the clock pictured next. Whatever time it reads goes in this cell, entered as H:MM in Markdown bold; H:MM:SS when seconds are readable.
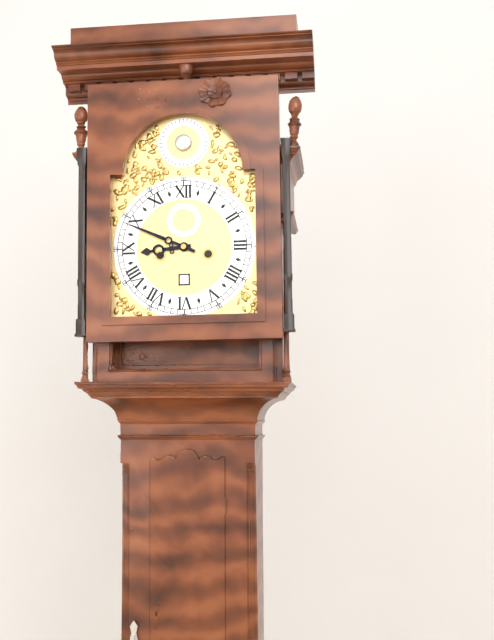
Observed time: **8:49**
